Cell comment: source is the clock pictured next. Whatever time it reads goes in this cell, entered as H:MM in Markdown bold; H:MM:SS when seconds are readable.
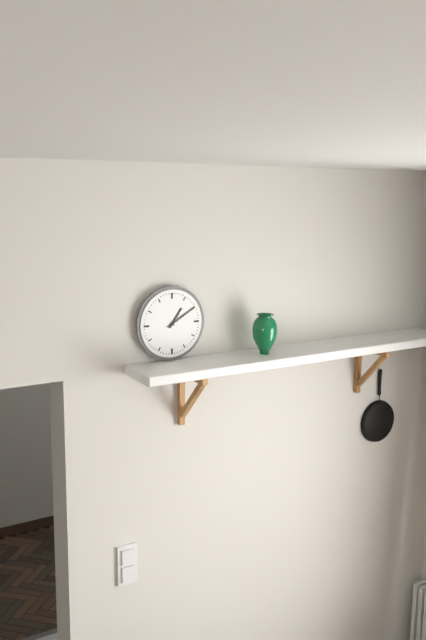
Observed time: **1:10**
